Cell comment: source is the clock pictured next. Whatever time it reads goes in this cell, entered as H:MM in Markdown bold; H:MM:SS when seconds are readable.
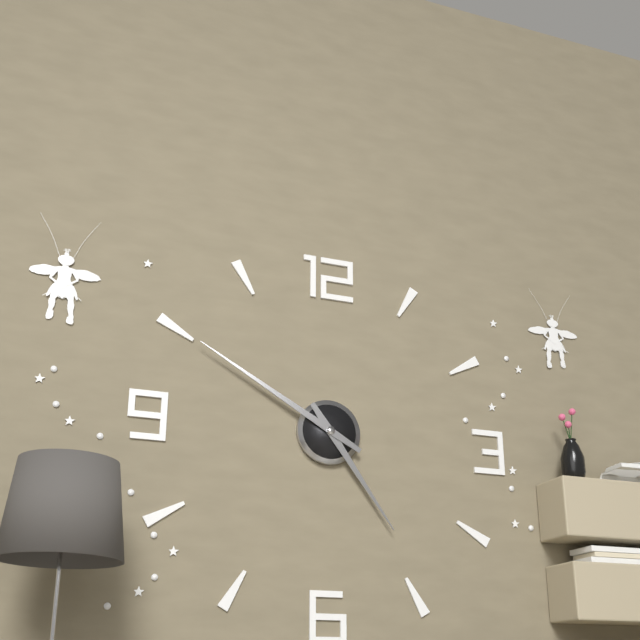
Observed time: **4:50**
